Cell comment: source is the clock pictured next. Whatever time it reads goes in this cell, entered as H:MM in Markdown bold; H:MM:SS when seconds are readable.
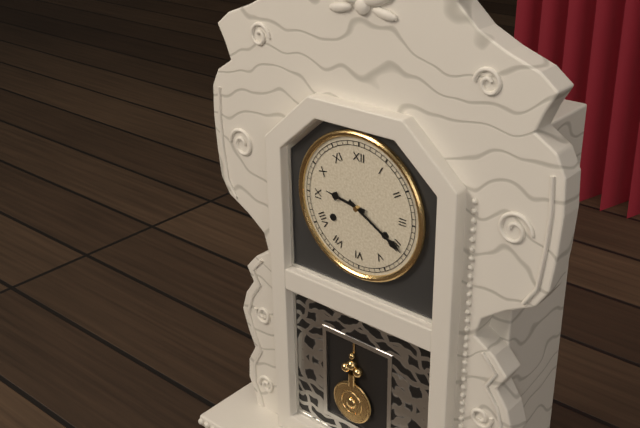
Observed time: **9:20**
